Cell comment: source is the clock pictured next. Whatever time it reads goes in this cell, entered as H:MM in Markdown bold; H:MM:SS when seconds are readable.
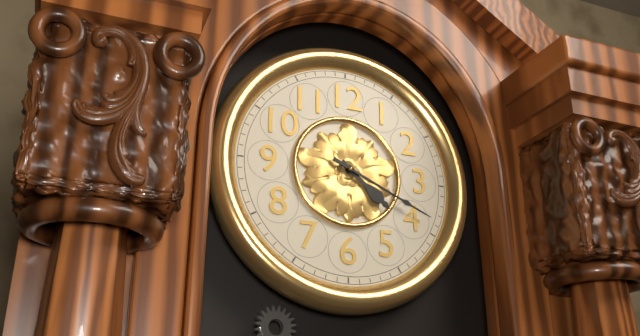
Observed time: **4:19**
